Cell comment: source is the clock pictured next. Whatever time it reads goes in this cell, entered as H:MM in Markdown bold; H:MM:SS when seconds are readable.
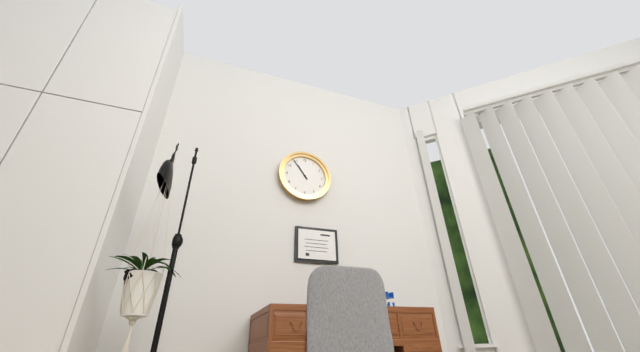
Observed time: **10:54**
